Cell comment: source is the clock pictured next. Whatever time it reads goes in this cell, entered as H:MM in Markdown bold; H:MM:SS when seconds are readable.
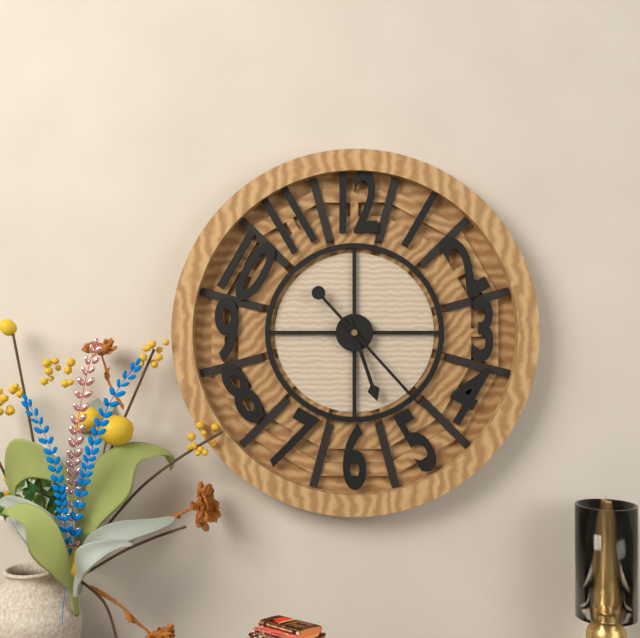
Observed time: **5:23**
